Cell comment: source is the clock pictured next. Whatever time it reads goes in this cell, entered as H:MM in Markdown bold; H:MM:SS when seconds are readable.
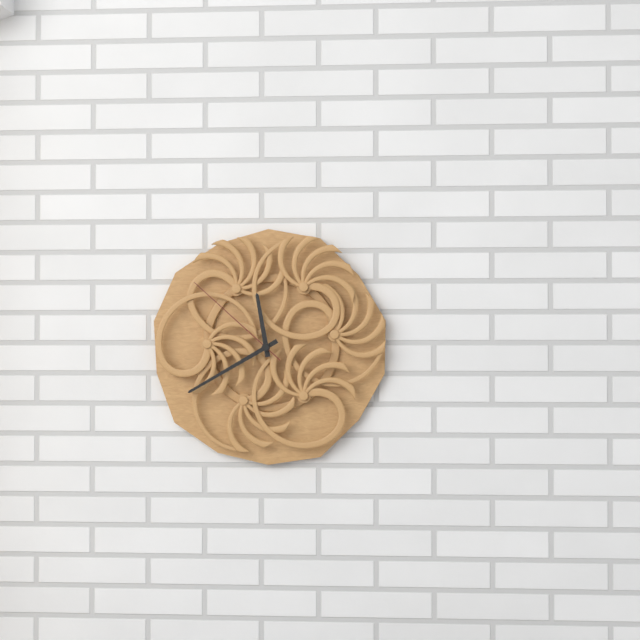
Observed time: **11:40:52**
